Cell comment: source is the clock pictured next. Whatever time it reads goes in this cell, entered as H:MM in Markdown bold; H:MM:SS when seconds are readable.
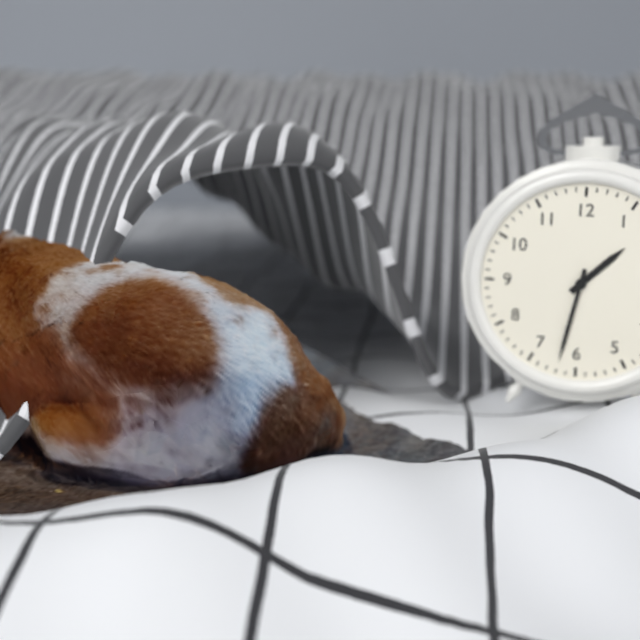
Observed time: **1:32**
